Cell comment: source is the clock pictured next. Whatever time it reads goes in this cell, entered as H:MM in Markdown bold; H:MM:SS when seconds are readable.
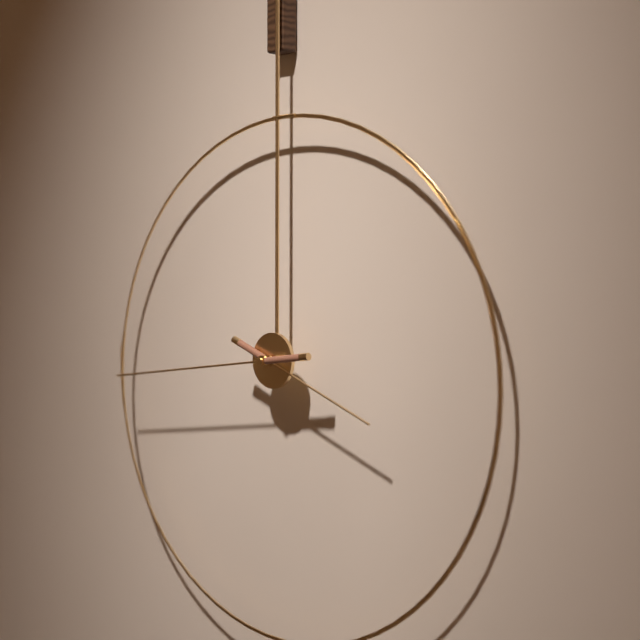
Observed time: **3:44**
